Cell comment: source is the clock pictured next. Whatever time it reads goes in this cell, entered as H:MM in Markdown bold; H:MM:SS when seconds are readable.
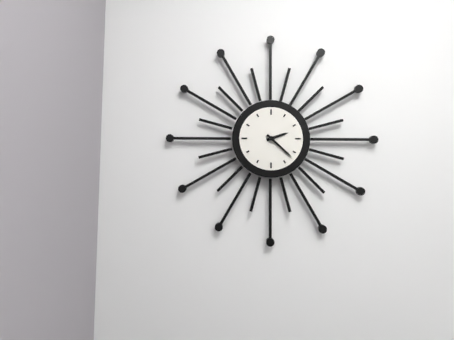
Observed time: **2:22**
